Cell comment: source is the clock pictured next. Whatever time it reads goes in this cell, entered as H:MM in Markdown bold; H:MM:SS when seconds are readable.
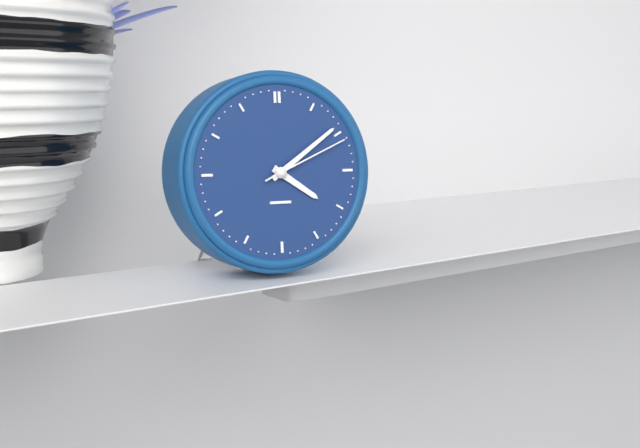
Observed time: **4:09:11**
